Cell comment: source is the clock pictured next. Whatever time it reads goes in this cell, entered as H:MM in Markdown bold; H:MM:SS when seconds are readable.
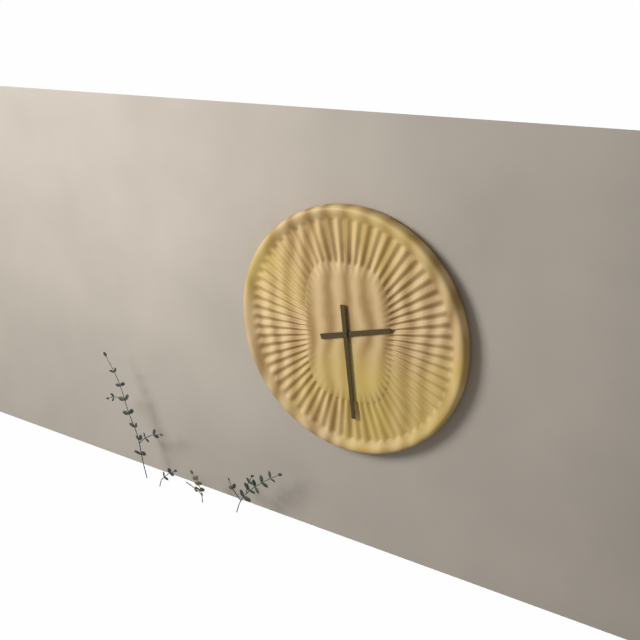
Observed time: **2:29**
